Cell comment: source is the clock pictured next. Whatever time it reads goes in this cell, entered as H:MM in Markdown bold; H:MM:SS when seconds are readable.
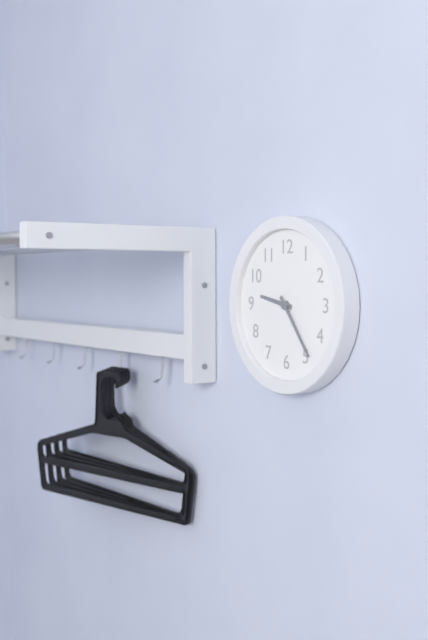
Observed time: **9:24**
